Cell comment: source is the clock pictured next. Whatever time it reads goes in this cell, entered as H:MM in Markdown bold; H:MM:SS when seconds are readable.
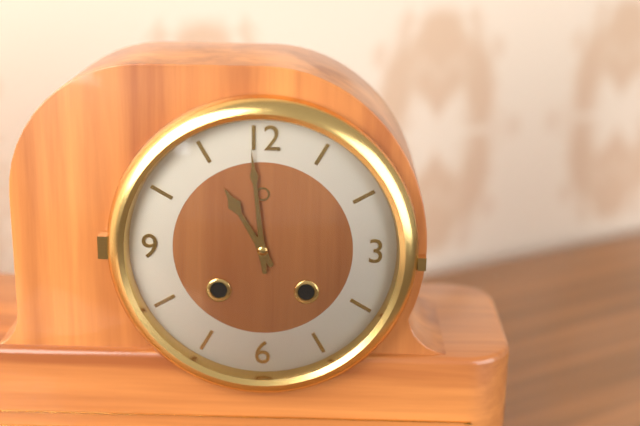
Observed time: **10:59**
